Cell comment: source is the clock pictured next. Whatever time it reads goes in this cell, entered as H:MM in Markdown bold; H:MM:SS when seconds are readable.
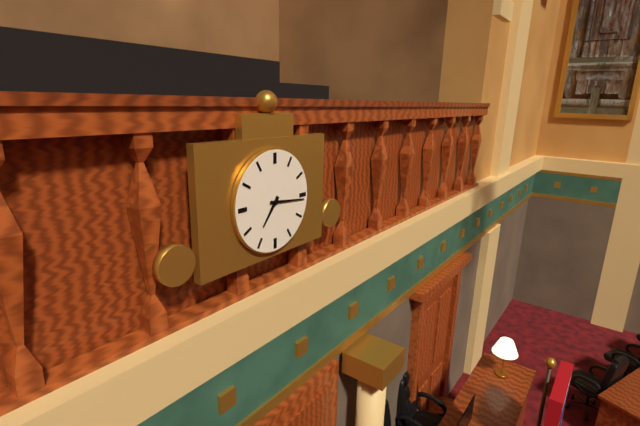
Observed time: **7:16**
